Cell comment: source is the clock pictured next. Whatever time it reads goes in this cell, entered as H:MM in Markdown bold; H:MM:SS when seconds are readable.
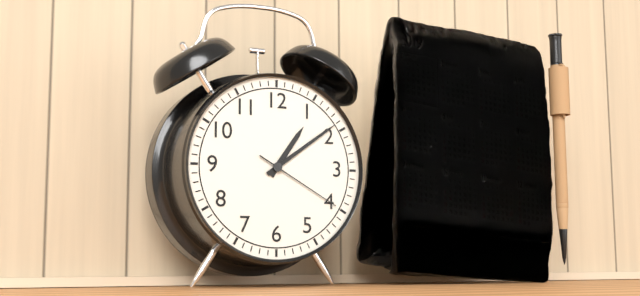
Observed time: **1:09:20**
